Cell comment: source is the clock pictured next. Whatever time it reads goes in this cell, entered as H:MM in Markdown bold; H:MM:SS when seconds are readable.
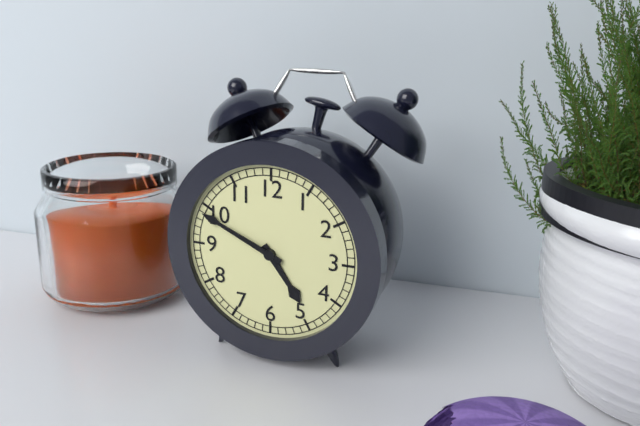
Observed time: **4:49**
